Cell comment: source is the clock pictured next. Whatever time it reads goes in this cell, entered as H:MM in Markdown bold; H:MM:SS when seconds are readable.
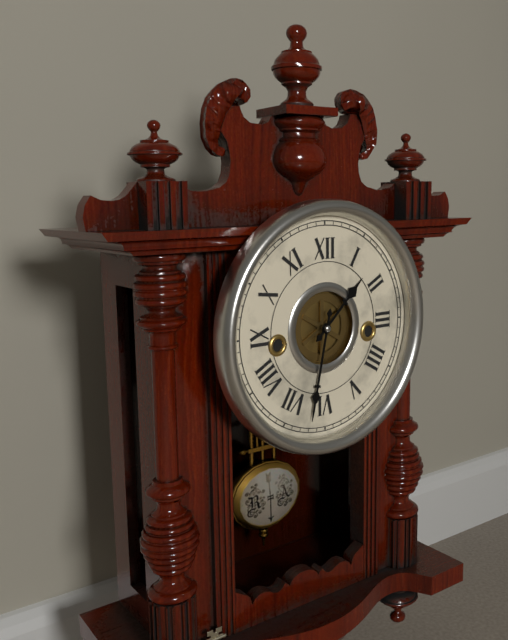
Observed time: **1:32**
